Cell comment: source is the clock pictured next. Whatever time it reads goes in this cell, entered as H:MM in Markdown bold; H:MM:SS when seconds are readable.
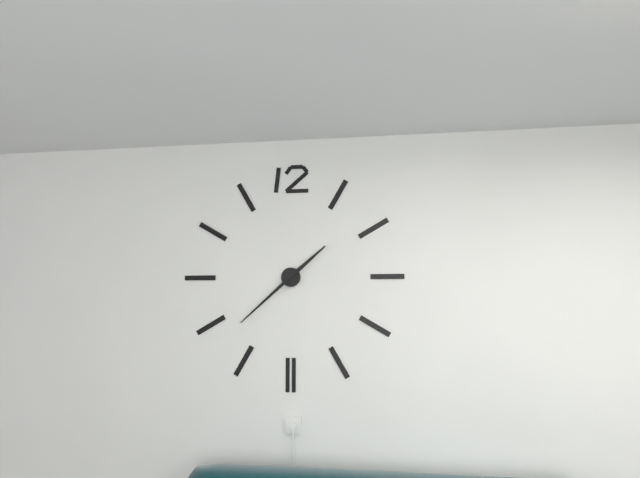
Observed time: **1:38**
